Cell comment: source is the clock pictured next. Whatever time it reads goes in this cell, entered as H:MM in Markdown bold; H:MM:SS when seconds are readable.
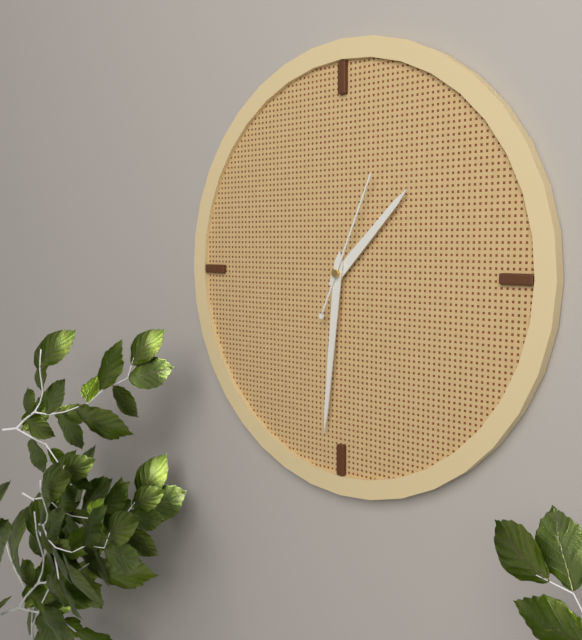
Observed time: **1:31:04**
